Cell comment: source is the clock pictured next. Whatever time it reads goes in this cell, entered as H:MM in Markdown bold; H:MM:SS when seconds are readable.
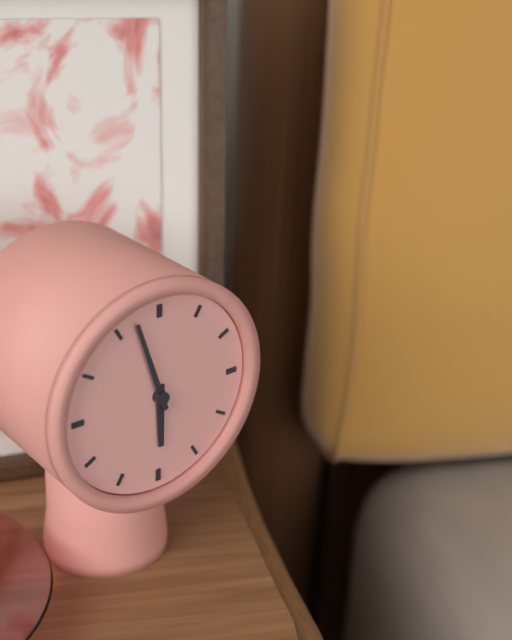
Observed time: **5:57**
